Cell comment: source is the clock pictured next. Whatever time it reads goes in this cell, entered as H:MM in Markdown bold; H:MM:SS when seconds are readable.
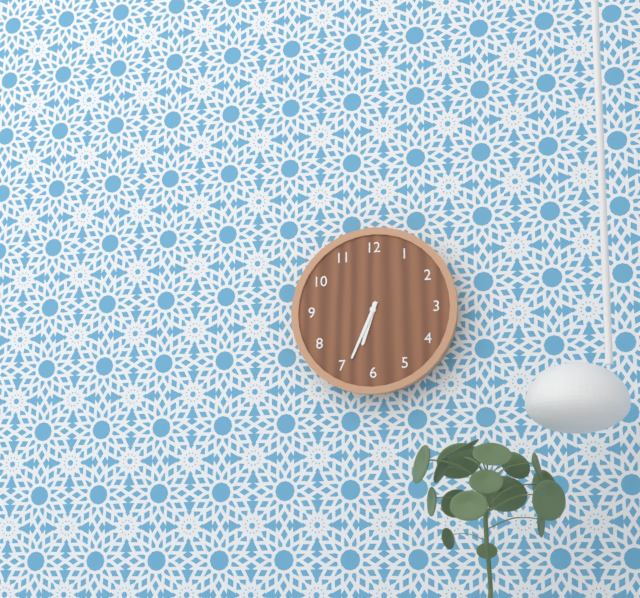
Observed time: **6:34**
